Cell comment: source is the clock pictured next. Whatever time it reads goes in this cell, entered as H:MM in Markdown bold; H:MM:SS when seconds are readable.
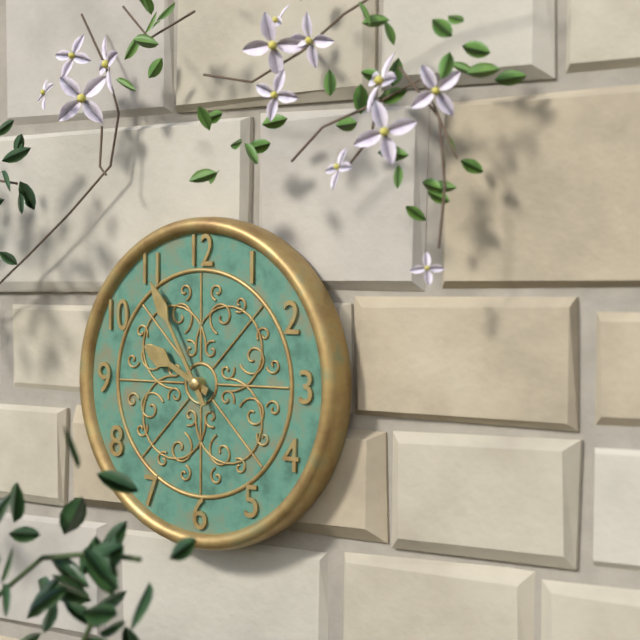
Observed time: **9:55**
